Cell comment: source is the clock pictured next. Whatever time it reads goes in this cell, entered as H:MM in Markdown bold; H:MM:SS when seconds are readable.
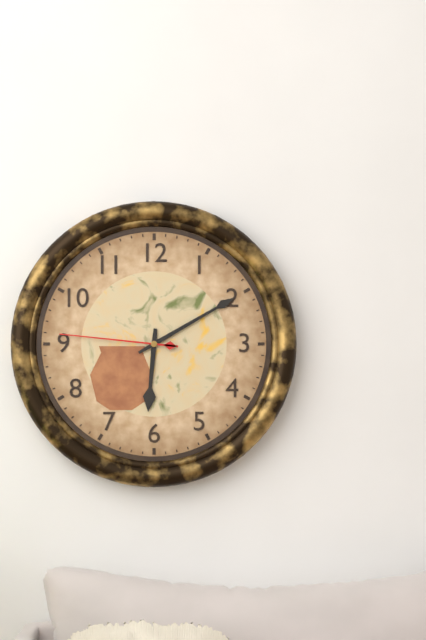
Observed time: **6:10:46**
